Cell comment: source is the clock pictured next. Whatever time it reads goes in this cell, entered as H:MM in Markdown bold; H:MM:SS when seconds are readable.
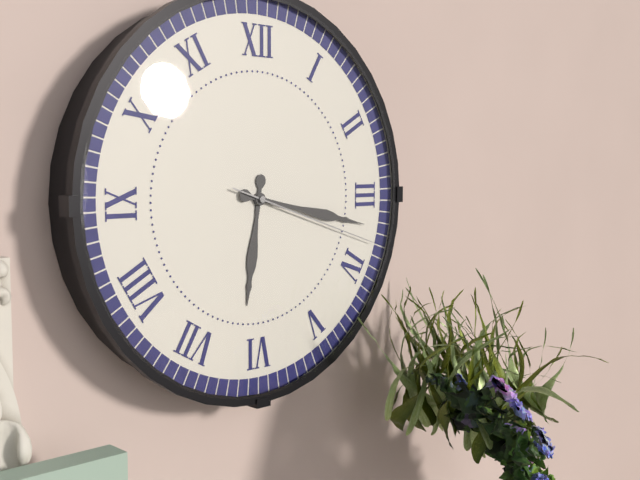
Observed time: **6:17:18**
